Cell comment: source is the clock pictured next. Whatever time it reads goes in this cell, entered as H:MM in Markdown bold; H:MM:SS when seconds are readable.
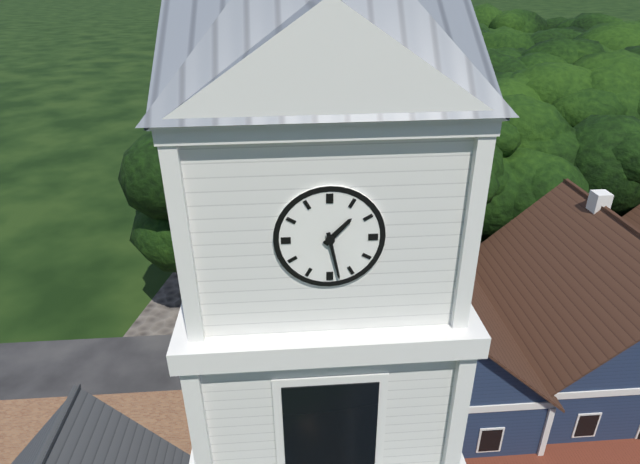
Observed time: **1:28**
